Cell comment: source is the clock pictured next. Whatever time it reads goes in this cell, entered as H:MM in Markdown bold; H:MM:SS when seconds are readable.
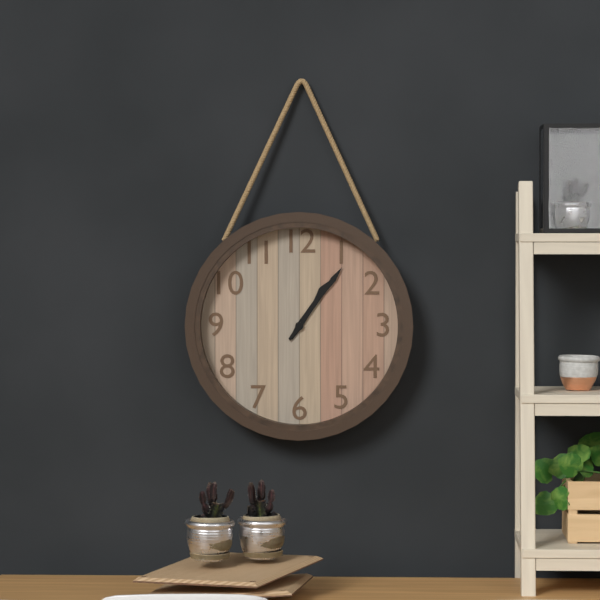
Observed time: **1:06**
